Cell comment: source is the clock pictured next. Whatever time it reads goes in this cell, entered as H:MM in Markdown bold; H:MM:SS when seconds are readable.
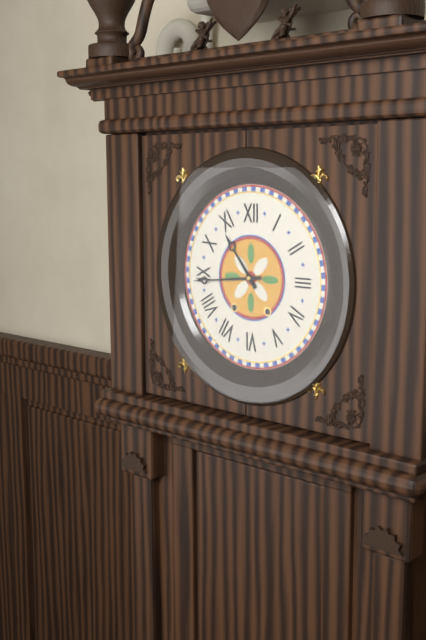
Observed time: **10:44**
